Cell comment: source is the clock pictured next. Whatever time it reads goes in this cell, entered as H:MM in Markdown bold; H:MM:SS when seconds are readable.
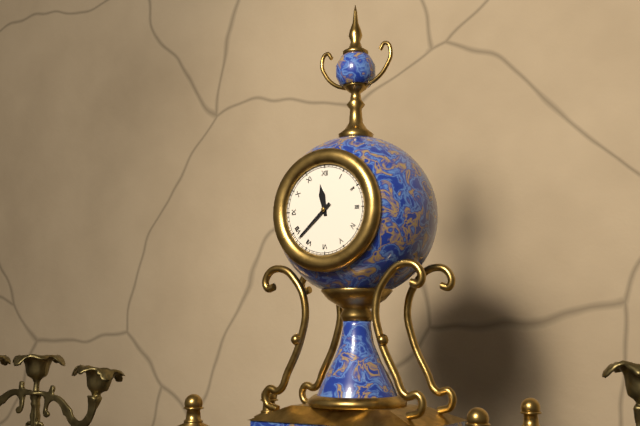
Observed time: **11:38**
